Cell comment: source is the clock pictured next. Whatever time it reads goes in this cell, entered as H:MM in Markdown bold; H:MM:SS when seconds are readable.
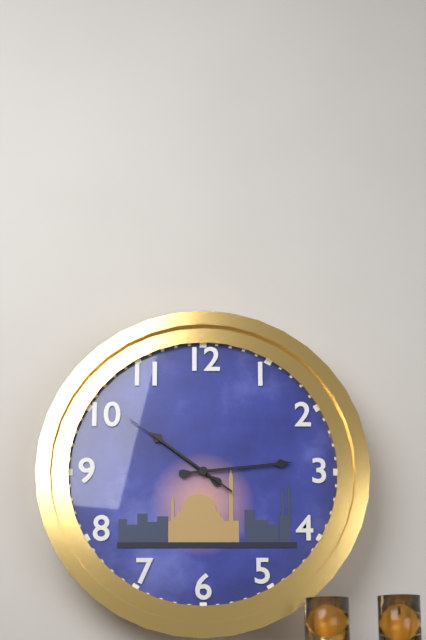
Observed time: **10:14:51**
